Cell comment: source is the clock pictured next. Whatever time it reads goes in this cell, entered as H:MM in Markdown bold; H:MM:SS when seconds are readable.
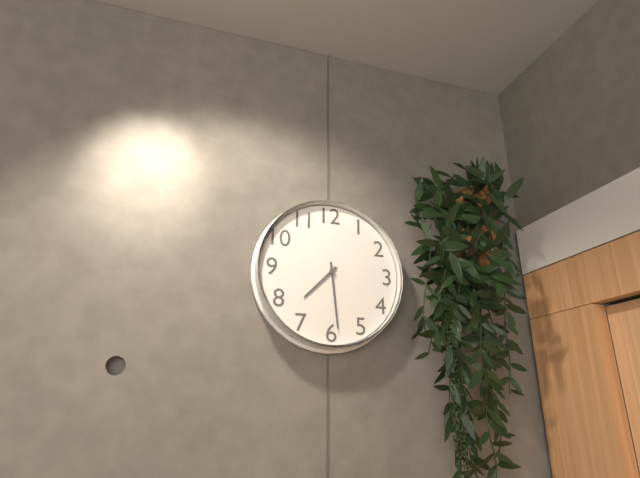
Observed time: **7:29**
